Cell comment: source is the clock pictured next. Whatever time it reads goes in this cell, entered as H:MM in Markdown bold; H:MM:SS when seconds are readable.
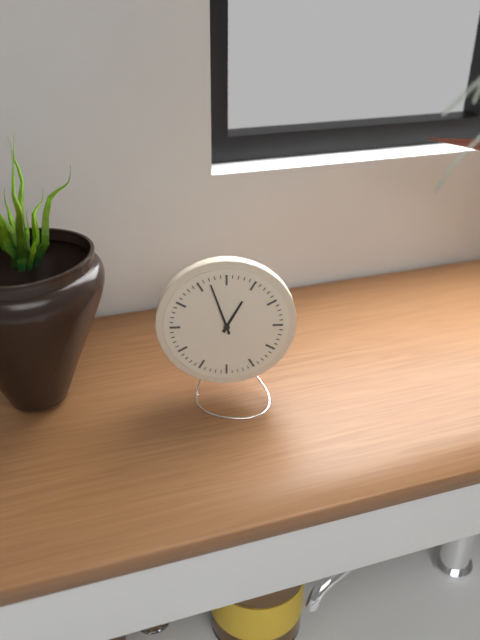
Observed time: **12:57**
